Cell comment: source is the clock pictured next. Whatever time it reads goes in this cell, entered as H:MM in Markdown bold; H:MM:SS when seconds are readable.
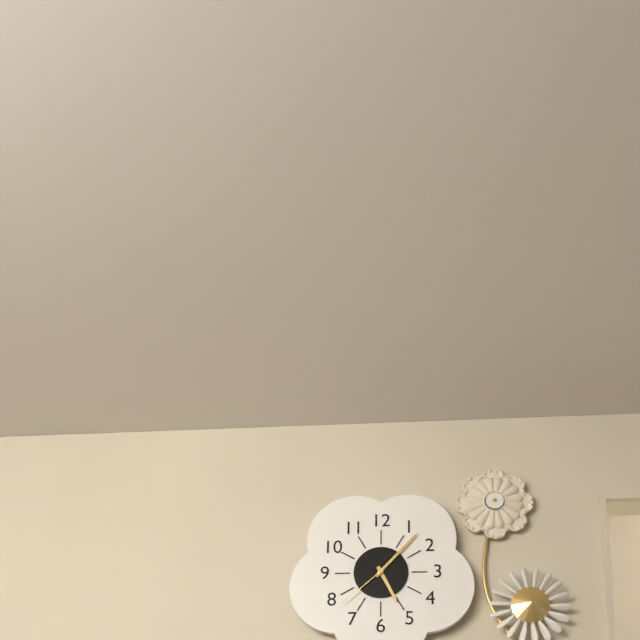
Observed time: **5:07:38**
